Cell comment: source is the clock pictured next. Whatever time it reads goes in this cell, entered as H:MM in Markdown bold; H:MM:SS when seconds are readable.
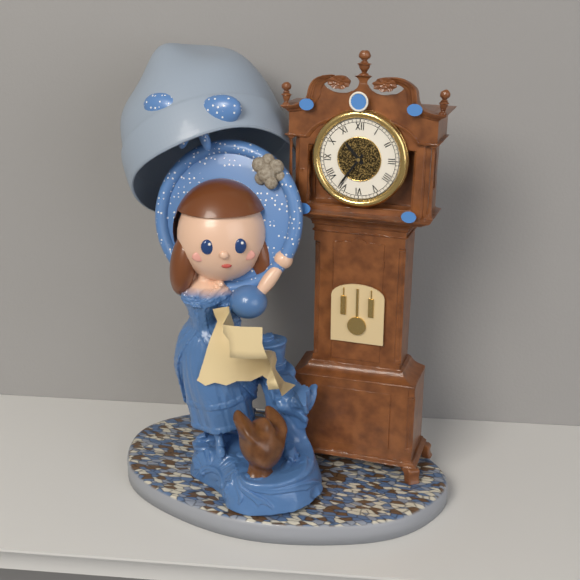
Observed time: **10:36**
